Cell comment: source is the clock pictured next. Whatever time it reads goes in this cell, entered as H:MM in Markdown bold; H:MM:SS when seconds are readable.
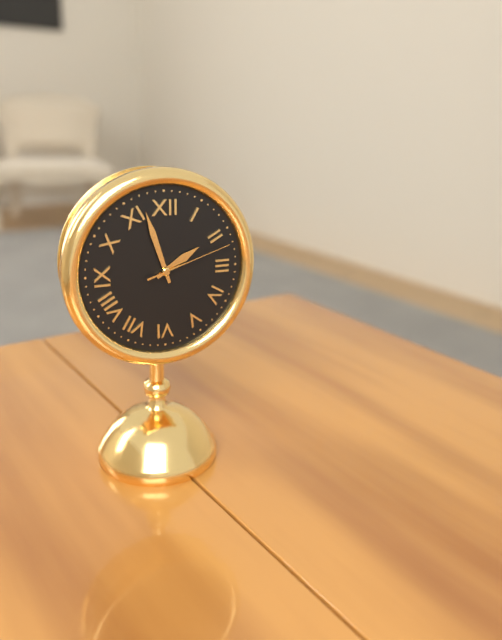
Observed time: **1:57:12**
